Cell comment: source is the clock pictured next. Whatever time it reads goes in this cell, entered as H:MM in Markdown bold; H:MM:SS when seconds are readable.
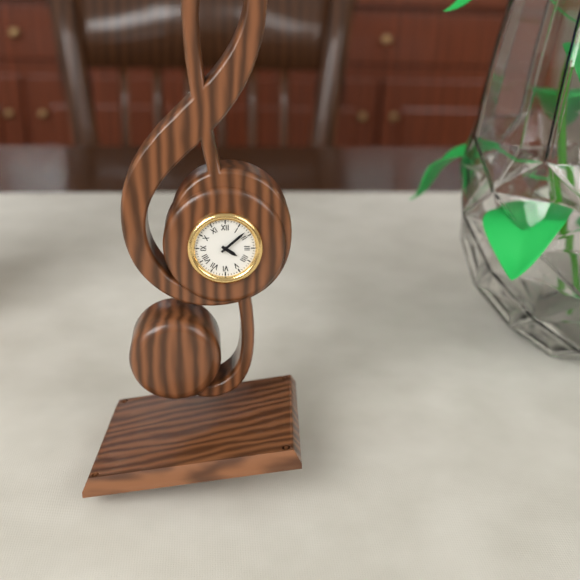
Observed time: **4:08**
